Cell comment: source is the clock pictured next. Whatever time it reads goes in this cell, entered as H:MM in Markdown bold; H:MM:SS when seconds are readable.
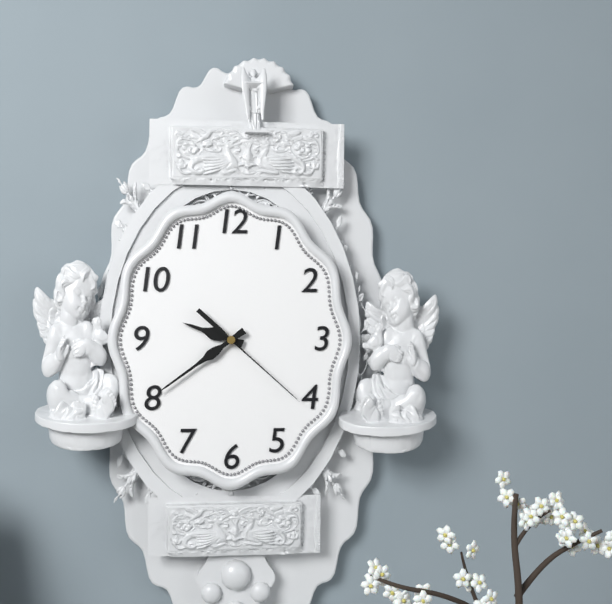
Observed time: **9:39:22**
